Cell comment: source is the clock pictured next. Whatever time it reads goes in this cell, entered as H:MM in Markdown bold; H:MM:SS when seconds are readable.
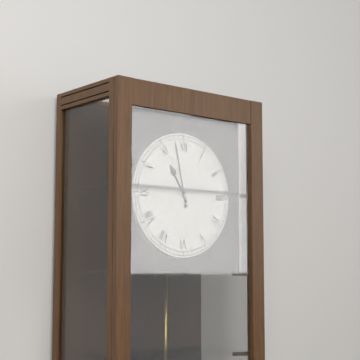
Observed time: **10:58**
